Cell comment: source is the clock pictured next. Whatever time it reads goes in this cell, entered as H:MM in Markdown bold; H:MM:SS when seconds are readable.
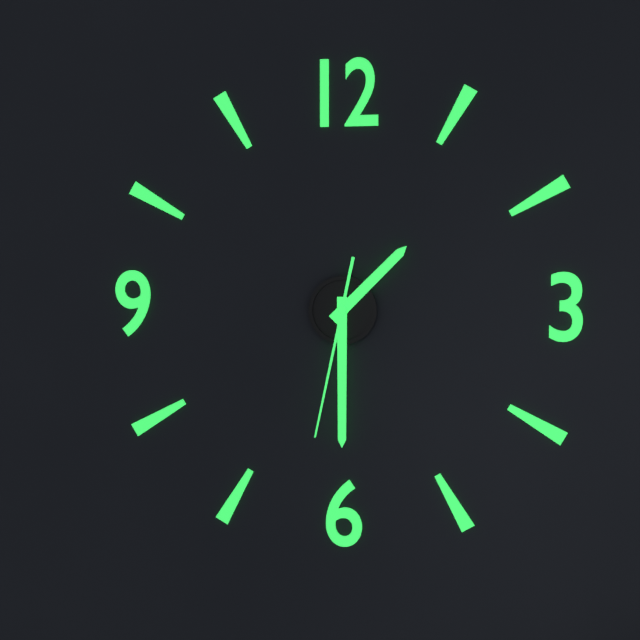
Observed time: **1:30:32**
